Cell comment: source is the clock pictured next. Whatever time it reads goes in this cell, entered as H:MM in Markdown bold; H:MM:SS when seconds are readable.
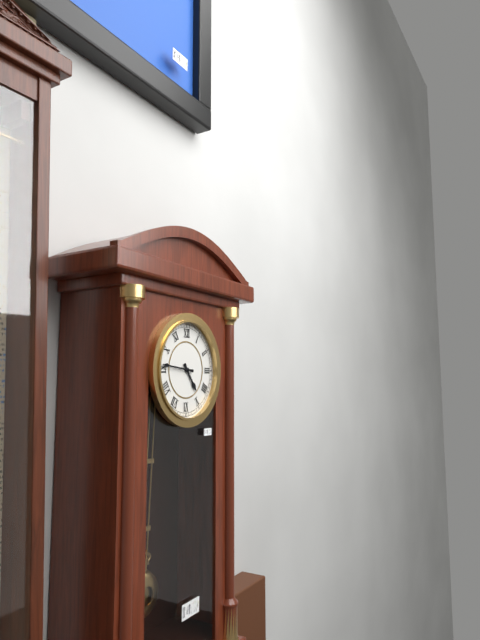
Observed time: **4:46**
